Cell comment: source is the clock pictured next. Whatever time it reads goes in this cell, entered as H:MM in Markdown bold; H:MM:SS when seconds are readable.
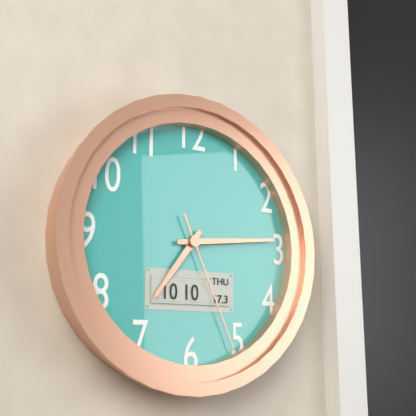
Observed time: **7:14:26**
